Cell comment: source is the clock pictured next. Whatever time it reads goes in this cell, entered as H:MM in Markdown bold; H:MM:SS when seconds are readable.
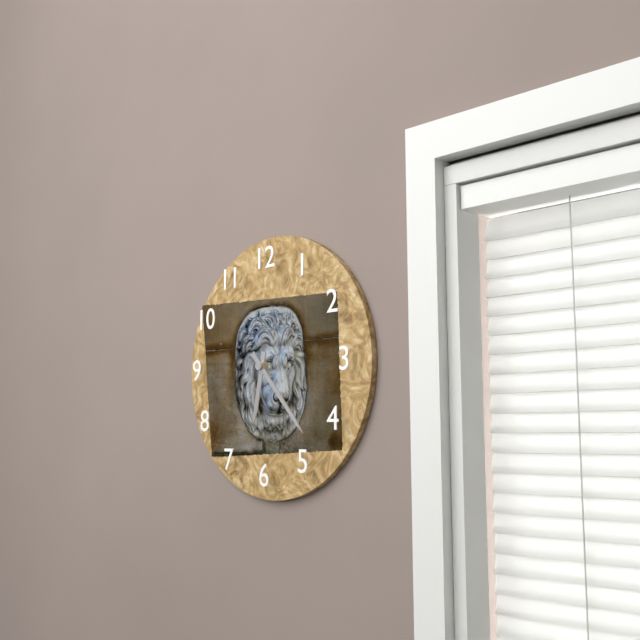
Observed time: **6:23**
